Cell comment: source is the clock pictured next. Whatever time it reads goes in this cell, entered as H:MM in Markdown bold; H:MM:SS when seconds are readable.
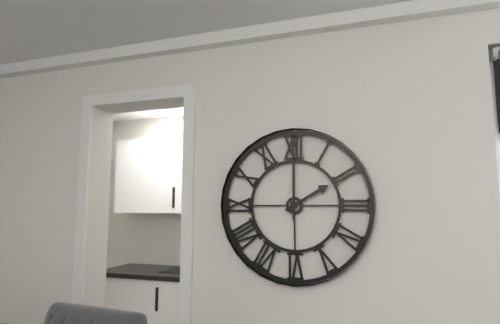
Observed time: **2:00**
